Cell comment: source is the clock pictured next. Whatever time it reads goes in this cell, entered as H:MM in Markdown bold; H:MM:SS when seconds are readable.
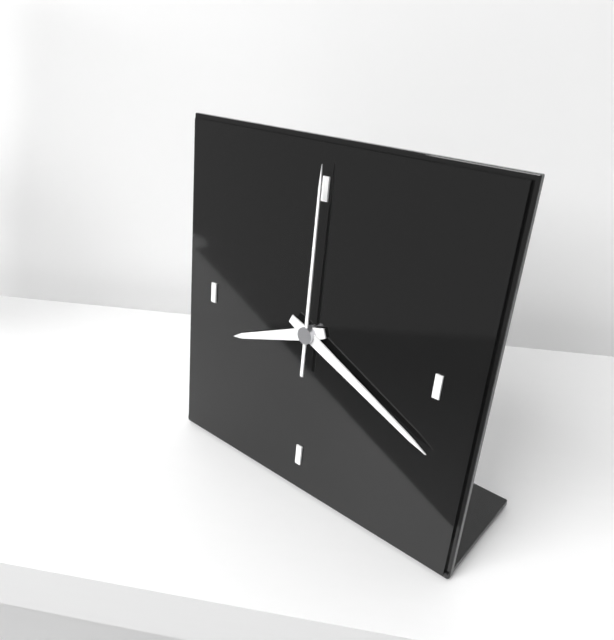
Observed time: **8:19:00**
